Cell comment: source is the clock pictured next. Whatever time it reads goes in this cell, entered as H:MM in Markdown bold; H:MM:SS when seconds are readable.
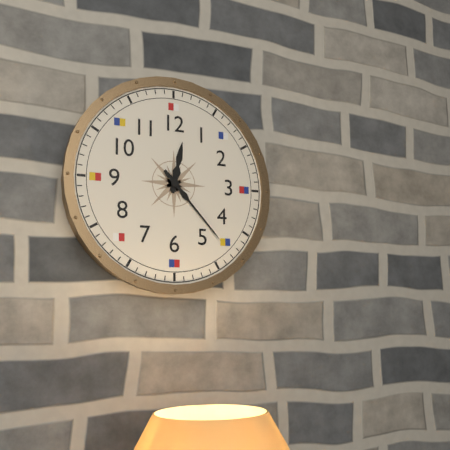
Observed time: **12:23**
